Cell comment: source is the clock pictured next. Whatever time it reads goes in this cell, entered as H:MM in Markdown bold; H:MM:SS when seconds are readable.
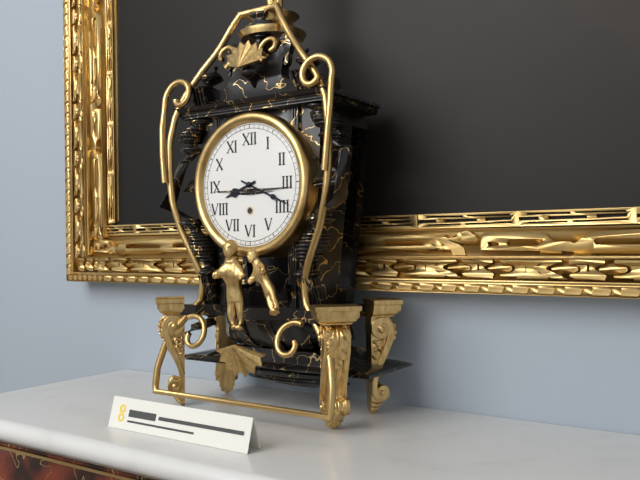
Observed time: **8:19**
